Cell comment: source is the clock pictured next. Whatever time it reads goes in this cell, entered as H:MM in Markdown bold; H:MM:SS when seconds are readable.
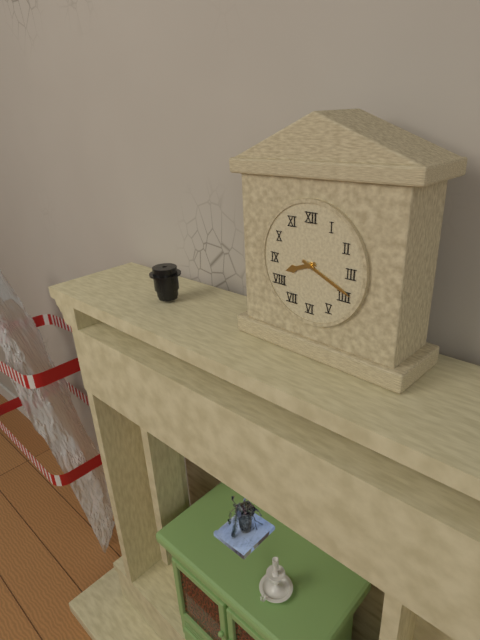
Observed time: **8:19**
